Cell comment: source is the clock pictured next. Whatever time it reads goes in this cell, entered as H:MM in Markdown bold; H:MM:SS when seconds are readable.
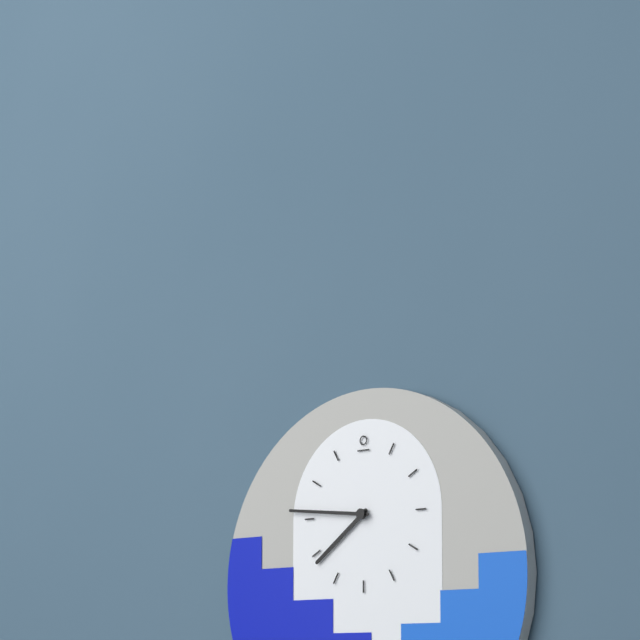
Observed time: **7:46**
